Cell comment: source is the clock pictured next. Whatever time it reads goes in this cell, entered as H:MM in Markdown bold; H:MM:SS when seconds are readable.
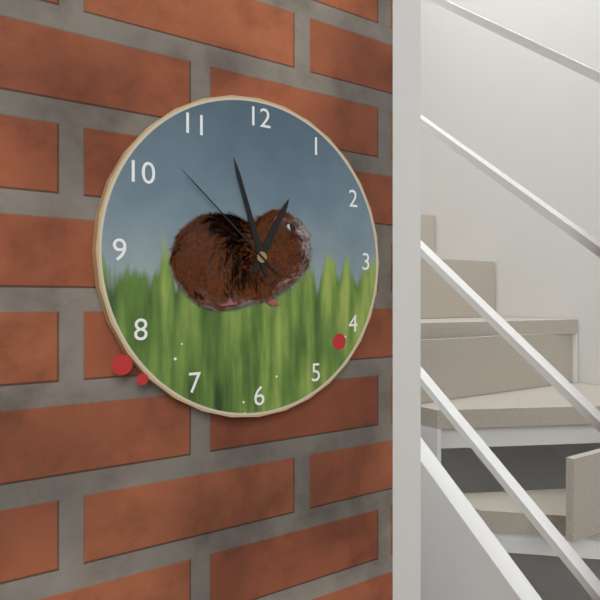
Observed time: **12:57:52**
